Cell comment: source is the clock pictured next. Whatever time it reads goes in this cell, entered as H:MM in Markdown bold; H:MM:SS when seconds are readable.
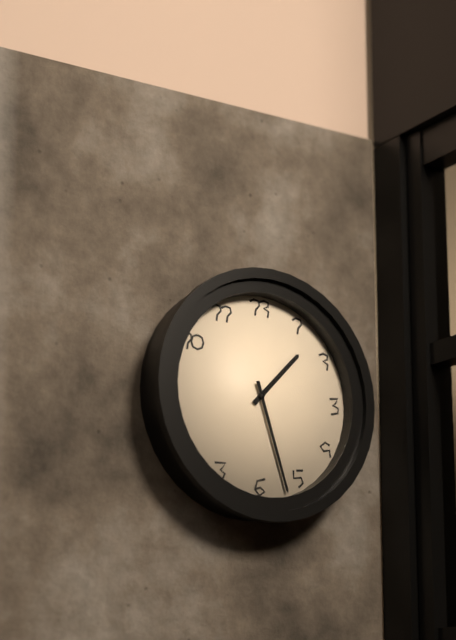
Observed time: **1:27**
